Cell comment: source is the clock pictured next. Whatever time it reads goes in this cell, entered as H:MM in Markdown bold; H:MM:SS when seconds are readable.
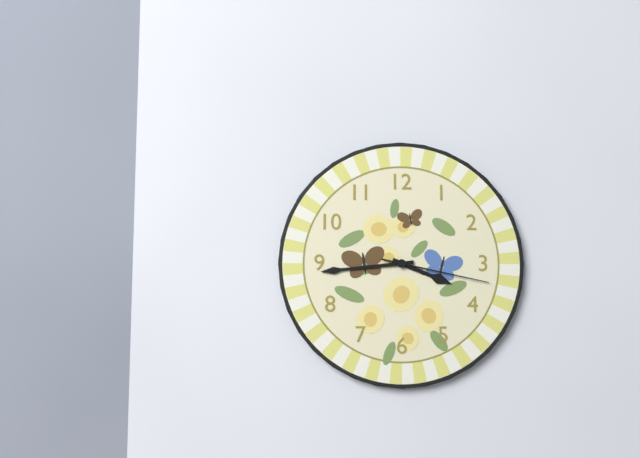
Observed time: **3:44:17**
